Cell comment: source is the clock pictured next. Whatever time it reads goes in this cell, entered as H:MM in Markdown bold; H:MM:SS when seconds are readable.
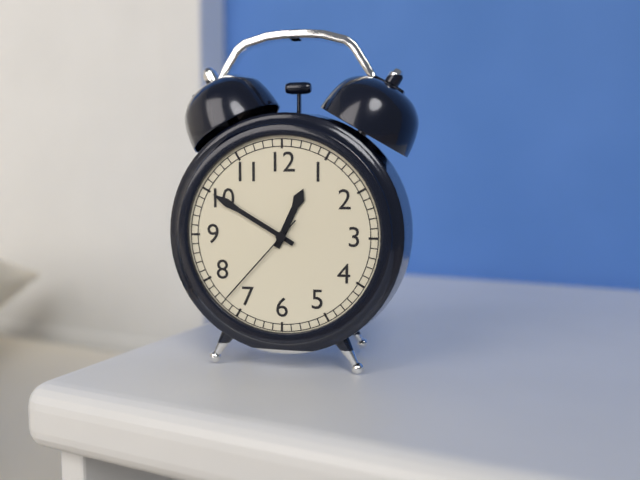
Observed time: **12:50:37**
